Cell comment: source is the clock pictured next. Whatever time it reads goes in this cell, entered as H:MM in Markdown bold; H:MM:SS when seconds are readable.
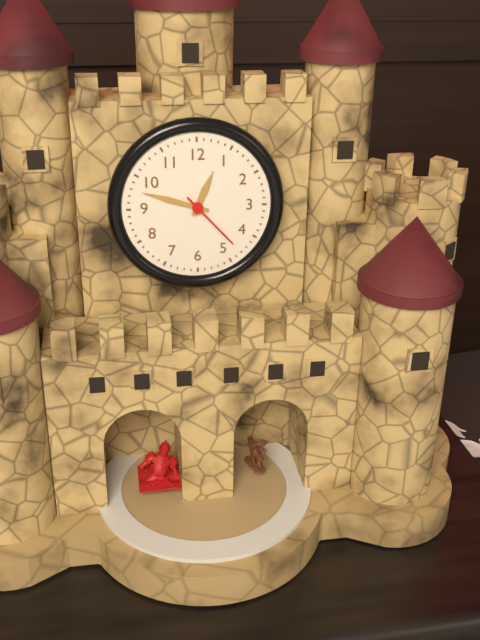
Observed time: **12:48**
